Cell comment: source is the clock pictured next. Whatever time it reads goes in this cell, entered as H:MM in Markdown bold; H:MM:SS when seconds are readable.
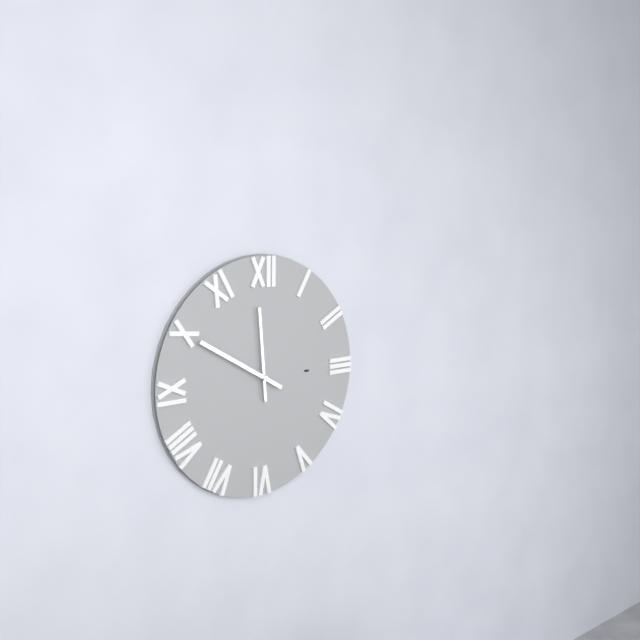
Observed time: **11:50**
